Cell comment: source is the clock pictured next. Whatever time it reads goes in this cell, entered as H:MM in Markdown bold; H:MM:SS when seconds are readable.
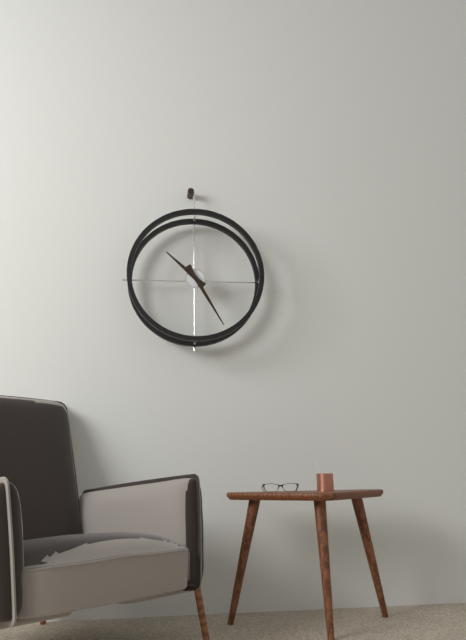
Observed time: **10:25**
